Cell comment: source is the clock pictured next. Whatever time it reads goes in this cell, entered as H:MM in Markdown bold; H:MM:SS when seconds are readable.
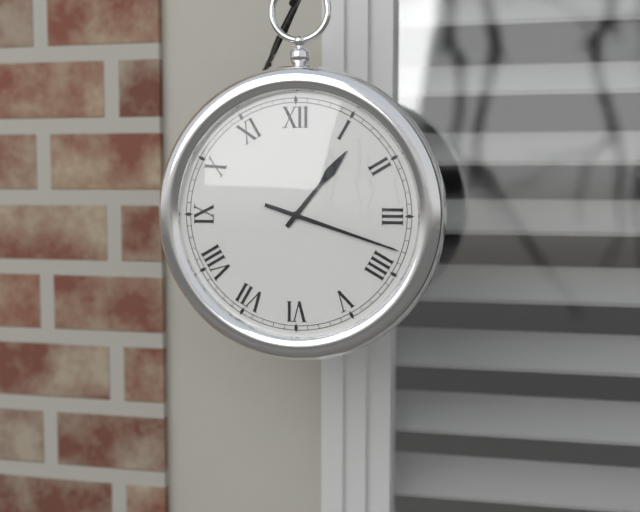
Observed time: **1:18**
